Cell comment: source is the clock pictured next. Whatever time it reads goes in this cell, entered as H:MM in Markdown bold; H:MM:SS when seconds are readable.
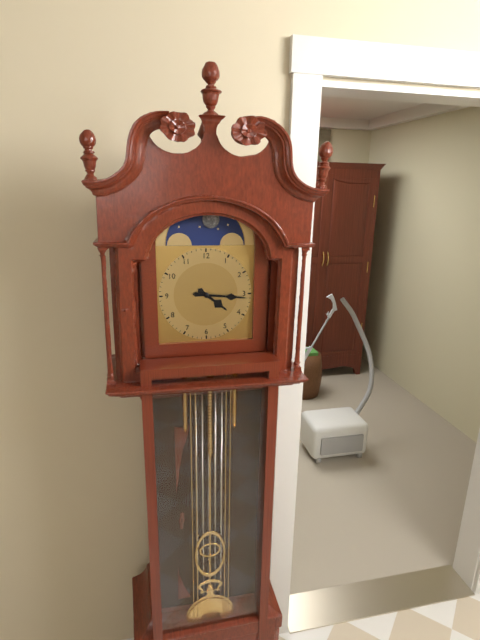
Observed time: **4:16**
